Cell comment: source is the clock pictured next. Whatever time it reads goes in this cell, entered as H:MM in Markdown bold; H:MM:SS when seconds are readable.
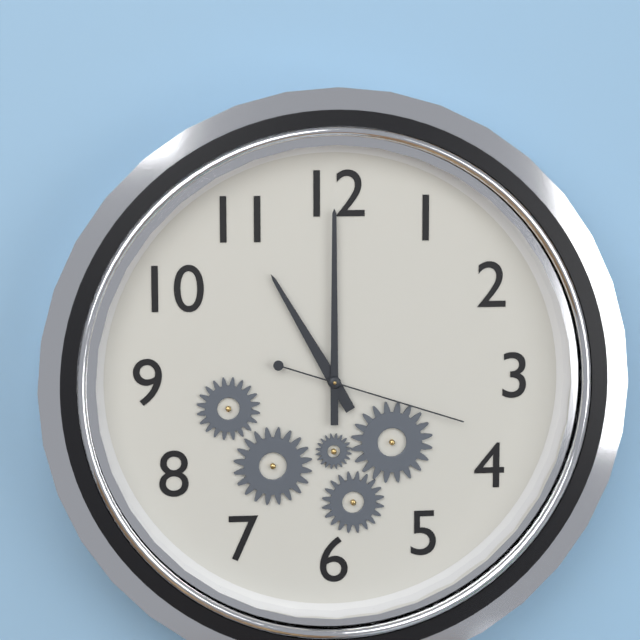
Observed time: **11:00:18**
